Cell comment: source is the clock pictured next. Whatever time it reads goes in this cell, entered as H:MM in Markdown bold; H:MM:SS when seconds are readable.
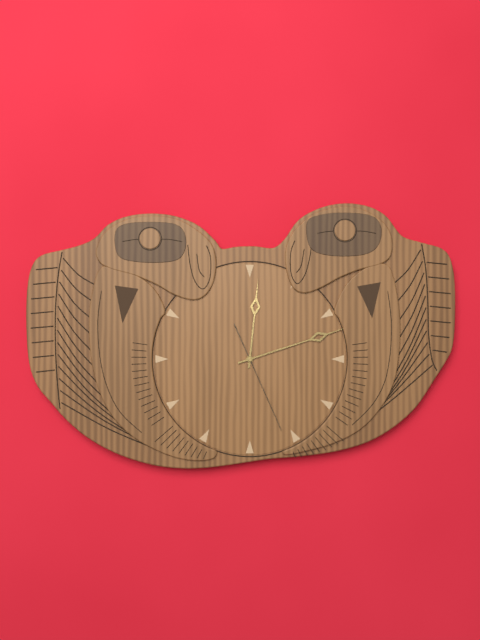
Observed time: **12:12:26**
